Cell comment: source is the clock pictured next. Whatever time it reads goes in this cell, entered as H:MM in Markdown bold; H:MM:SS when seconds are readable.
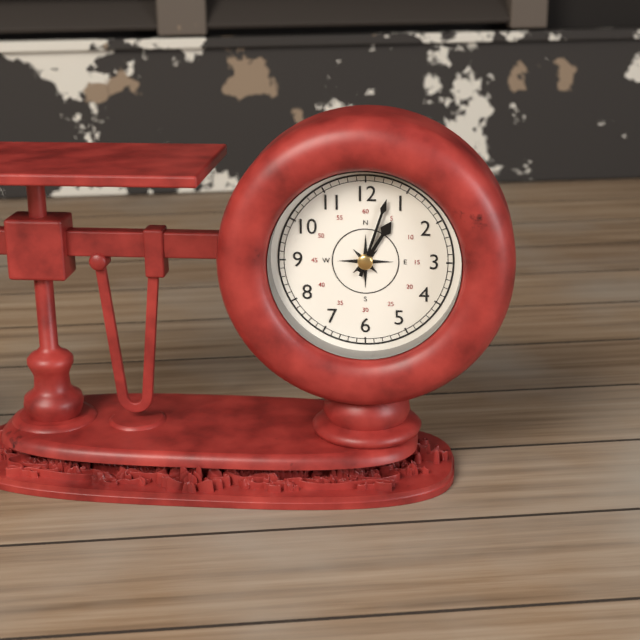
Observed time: **1:03**
